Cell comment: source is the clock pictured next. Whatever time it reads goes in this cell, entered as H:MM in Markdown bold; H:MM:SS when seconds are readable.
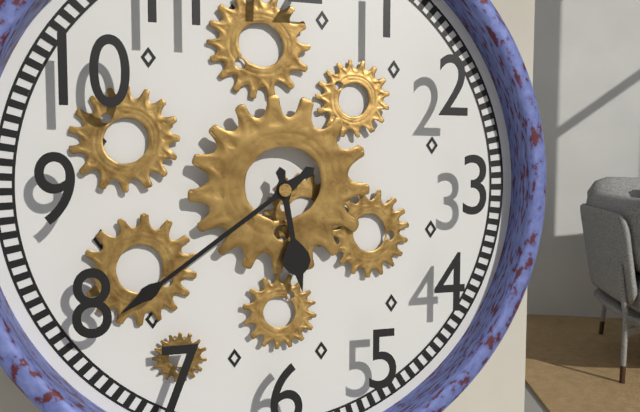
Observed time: **5:39**
